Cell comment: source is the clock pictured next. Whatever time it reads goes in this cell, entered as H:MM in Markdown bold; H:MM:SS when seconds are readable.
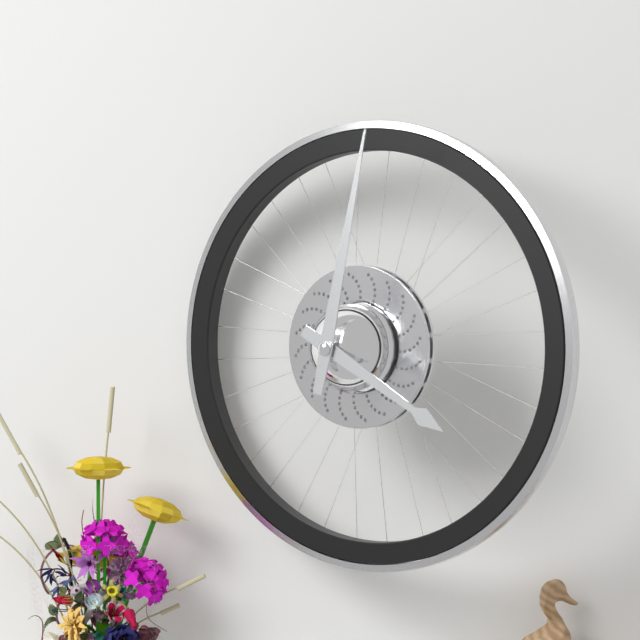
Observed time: **4:02**
